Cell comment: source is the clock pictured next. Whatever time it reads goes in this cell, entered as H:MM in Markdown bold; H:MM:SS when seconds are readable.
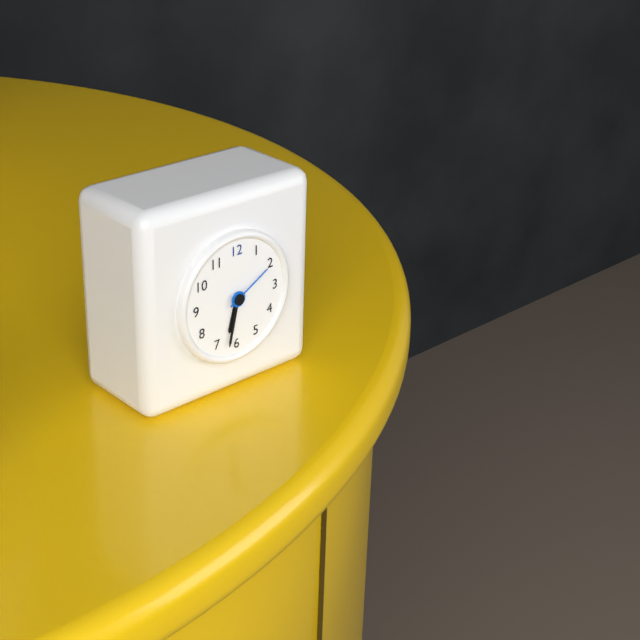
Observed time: **6:32:10**
